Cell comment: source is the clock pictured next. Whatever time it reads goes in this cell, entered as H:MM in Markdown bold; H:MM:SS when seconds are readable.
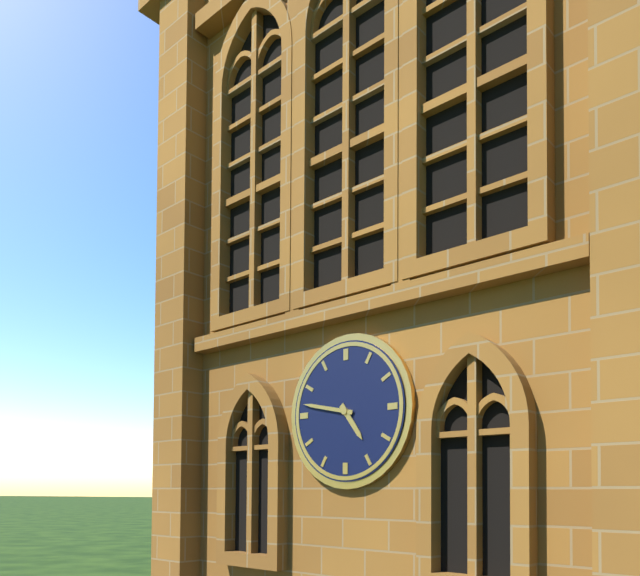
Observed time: **4:47**
